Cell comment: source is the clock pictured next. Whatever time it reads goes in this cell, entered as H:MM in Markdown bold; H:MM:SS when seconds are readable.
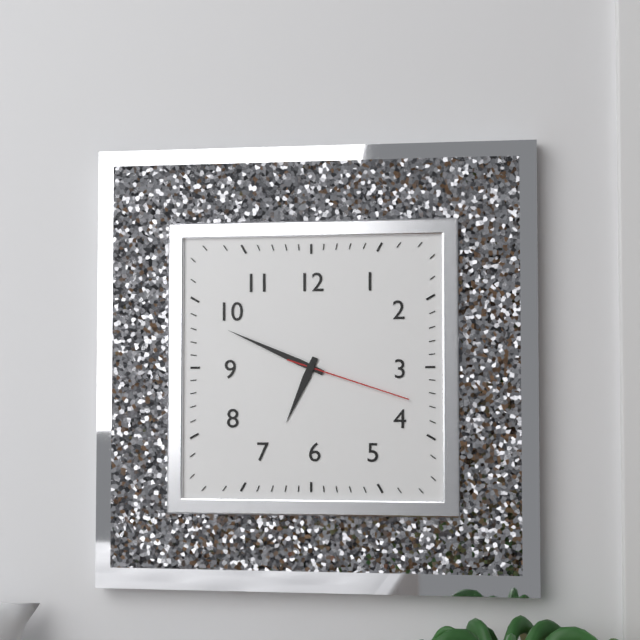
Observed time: **6:49:18**
